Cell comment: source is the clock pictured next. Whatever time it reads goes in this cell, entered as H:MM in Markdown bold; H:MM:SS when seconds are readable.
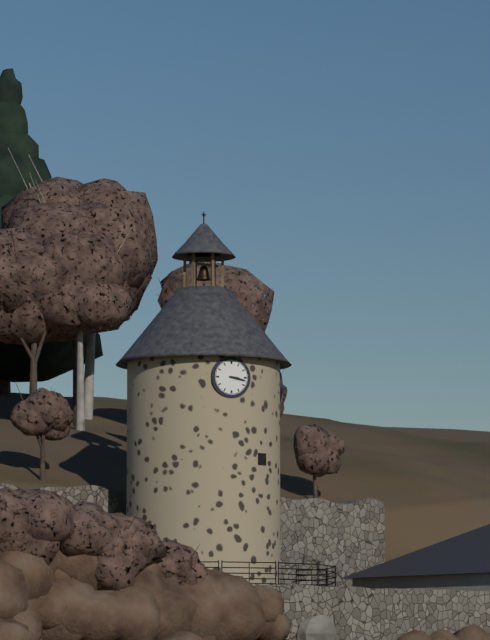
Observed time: **3:17**
